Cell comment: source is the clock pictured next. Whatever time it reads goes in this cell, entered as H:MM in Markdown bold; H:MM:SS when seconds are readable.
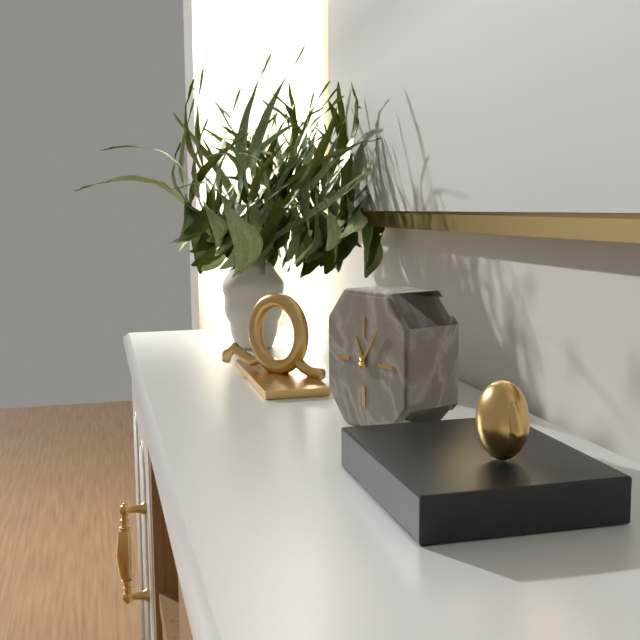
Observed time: **11:06**
